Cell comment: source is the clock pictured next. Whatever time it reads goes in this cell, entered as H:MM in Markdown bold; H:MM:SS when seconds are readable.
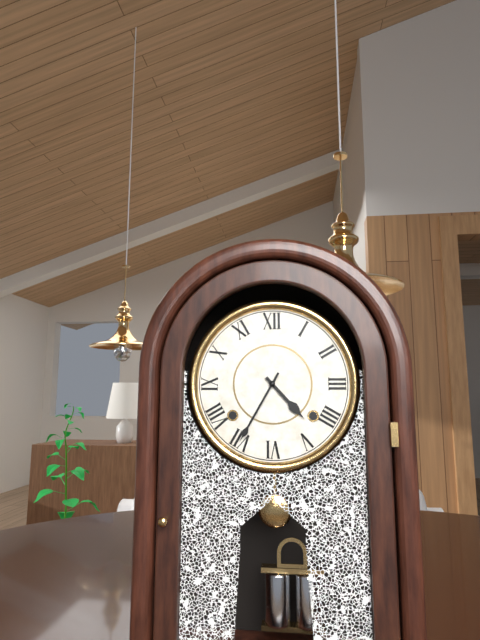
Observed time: **4:35**
